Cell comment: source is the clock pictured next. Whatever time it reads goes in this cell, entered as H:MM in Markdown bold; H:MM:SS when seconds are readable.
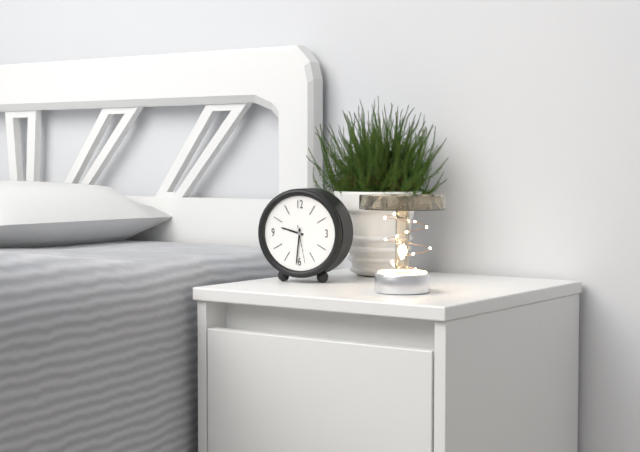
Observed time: **9:31**
